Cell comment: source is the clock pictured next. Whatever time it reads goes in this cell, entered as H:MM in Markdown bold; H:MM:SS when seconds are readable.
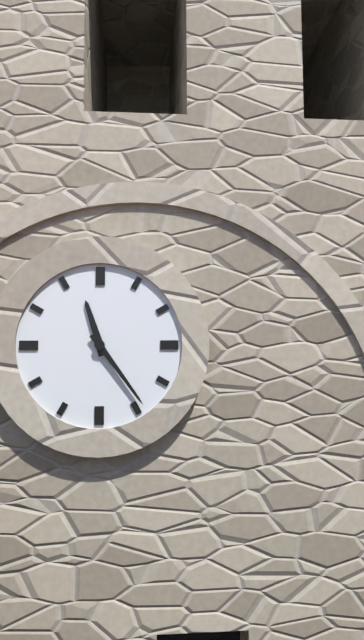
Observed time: **11:24**
